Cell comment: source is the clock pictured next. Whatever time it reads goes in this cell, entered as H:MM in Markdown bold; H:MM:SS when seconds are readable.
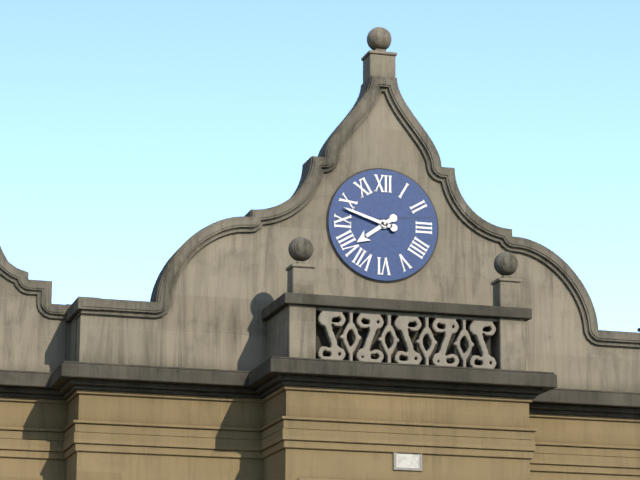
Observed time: **7:48**
